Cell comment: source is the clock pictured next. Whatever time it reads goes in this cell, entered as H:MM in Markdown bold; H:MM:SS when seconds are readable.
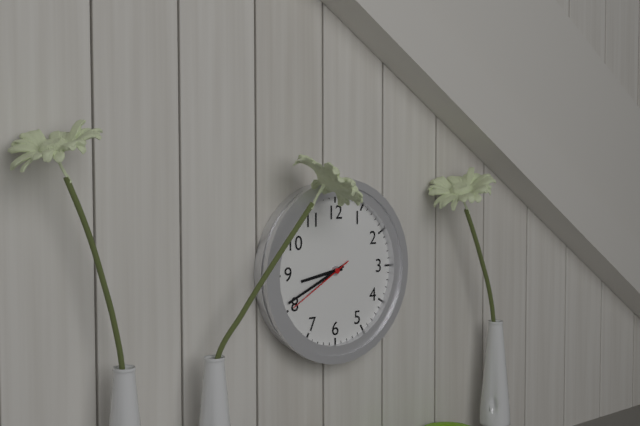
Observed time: **8:41:40**
